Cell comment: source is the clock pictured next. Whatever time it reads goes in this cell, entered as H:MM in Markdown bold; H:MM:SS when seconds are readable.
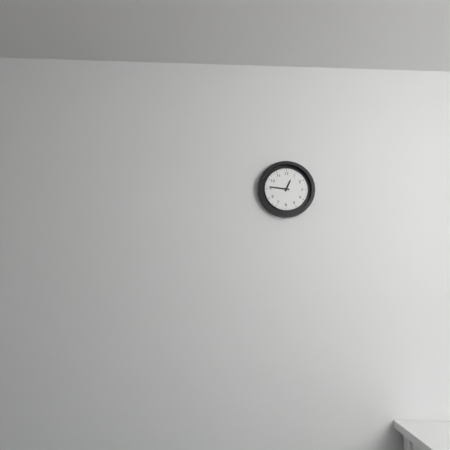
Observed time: **12:46**
